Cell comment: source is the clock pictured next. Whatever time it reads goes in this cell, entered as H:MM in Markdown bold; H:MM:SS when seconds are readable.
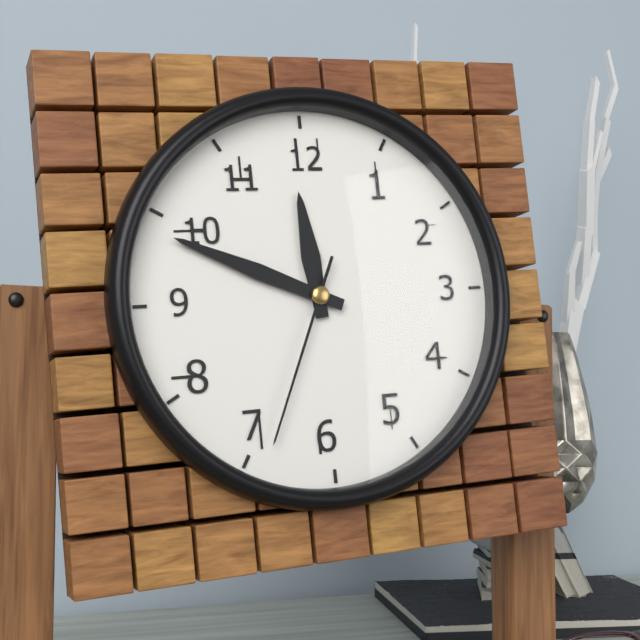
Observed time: **11:49:34**
